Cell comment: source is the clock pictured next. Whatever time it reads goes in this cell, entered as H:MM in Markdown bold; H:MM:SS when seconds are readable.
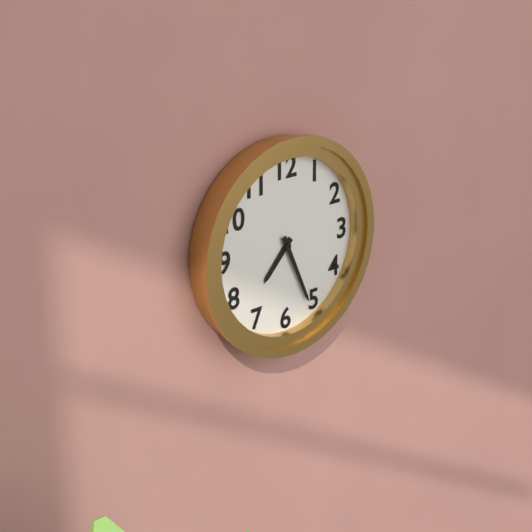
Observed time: **7:26**
